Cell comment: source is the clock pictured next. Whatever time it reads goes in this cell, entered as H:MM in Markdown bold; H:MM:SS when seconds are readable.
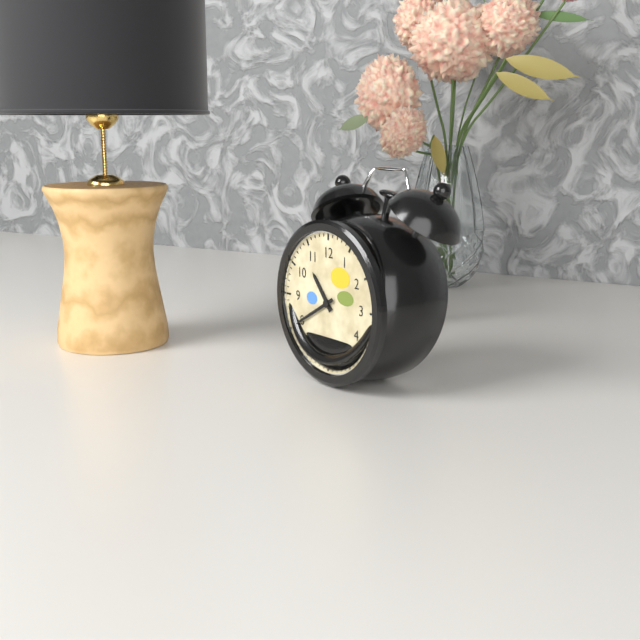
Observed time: **10:40**
